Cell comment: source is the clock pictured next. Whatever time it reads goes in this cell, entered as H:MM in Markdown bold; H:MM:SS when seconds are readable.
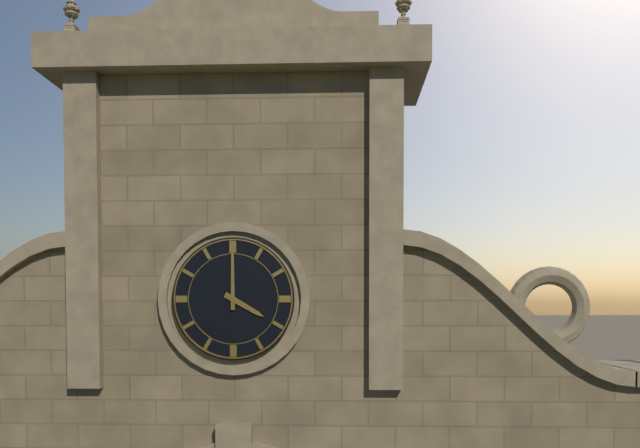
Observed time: **4:00**
